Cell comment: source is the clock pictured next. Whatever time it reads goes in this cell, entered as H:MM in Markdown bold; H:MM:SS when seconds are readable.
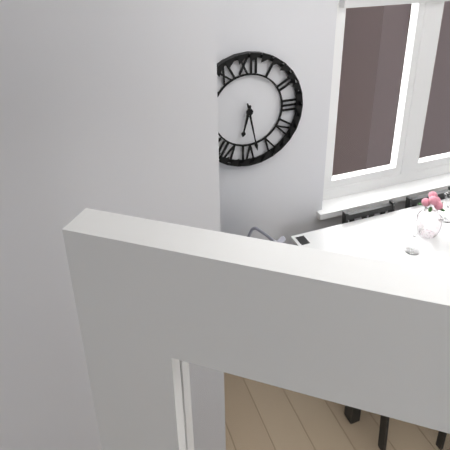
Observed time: **6:28**
